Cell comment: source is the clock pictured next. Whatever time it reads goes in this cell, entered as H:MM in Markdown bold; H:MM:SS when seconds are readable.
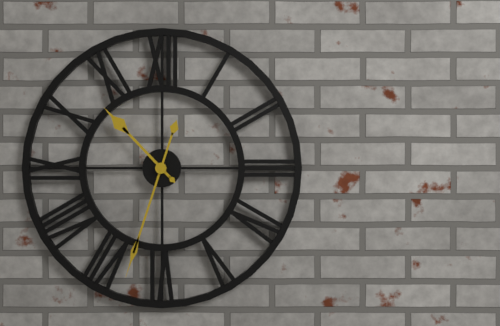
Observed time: **10:33**
